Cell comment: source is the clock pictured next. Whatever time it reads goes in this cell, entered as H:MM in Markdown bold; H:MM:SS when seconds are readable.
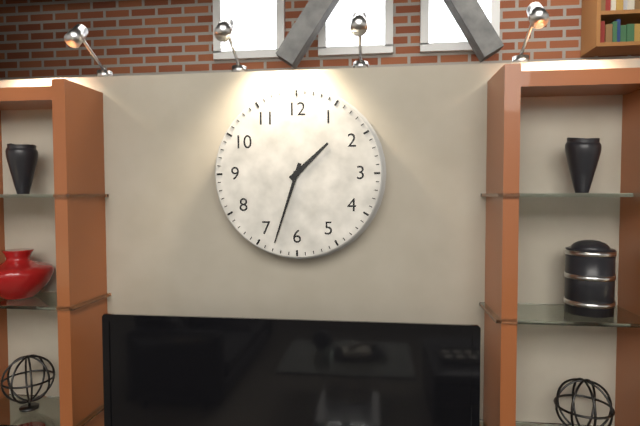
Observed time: **1:33**
